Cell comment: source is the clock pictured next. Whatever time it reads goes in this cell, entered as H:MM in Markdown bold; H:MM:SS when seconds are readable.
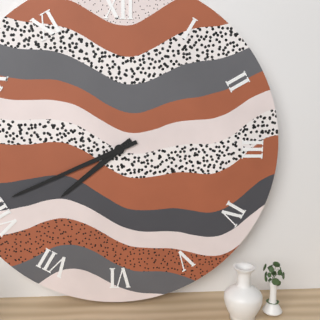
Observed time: **7:41**
